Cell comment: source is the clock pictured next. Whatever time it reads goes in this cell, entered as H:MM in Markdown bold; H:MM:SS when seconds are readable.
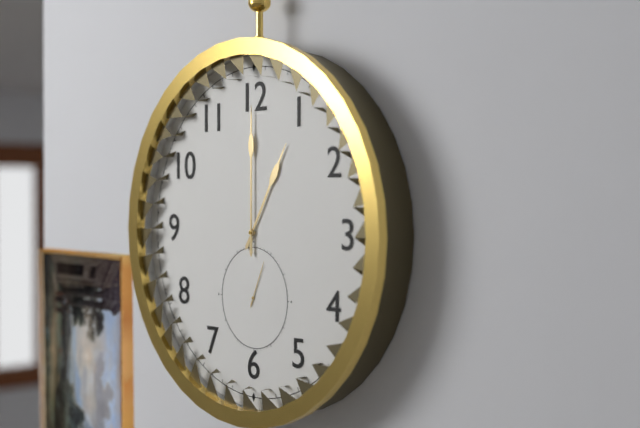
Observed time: **1:00**
